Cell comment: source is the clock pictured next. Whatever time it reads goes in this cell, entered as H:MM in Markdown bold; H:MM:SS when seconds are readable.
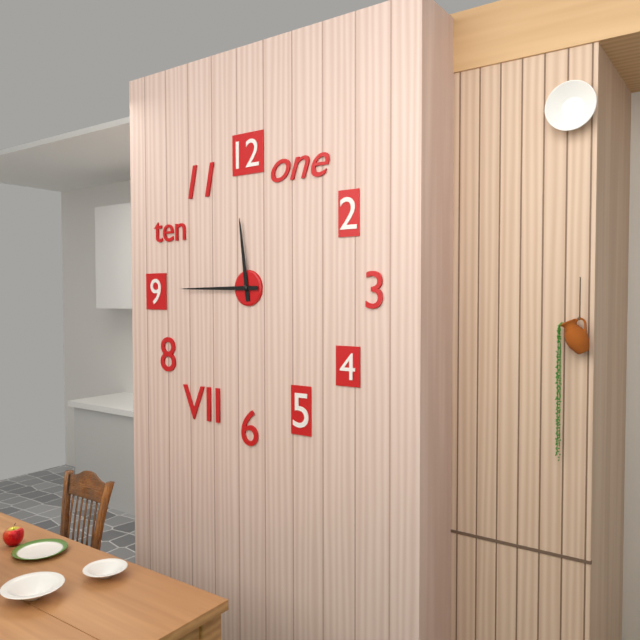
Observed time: **11:45**
